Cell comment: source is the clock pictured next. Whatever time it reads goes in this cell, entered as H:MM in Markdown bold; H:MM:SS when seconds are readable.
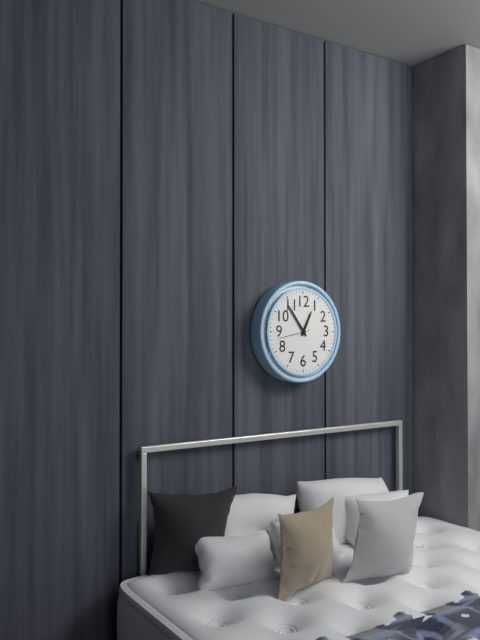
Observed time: **12:54**
